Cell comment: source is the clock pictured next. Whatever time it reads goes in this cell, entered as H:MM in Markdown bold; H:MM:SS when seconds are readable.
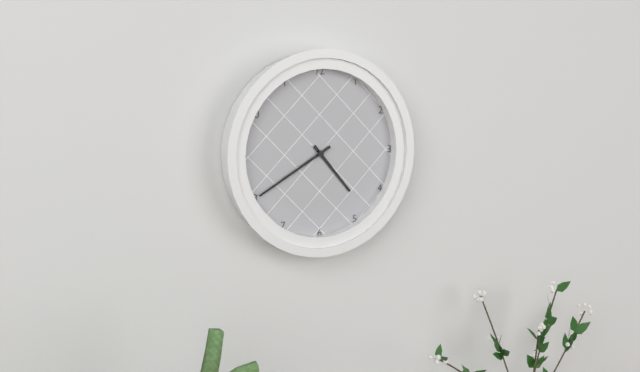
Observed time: **4:40**
